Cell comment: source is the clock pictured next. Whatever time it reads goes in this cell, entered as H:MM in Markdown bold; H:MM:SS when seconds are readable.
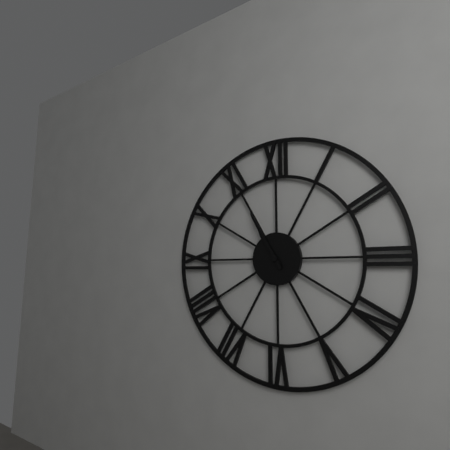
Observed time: **10:55**
